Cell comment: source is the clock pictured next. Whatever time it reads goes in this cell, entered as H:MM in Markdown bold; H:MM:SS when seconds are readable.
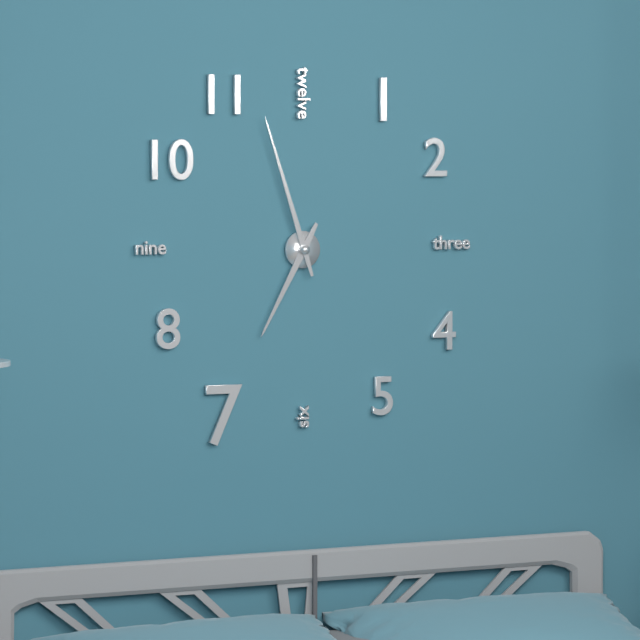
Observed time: **6:57**
